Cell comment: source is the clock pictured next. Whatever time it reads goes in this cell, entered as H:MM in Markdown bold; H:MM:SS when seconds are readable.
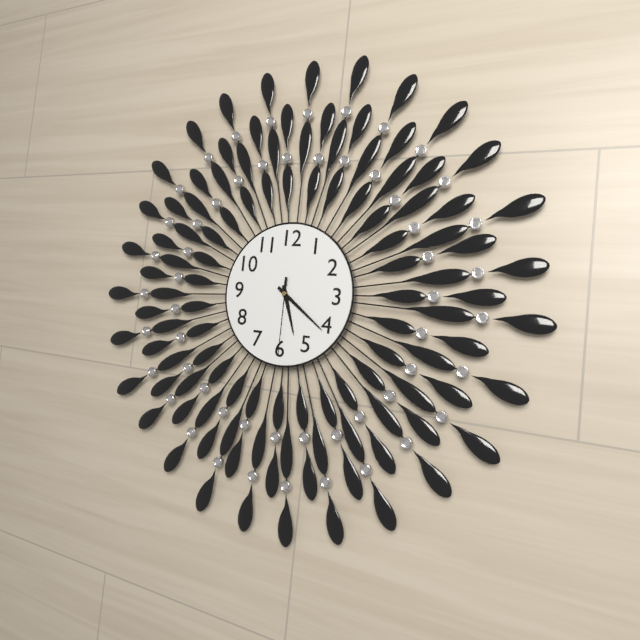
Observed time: **5:21:30**
